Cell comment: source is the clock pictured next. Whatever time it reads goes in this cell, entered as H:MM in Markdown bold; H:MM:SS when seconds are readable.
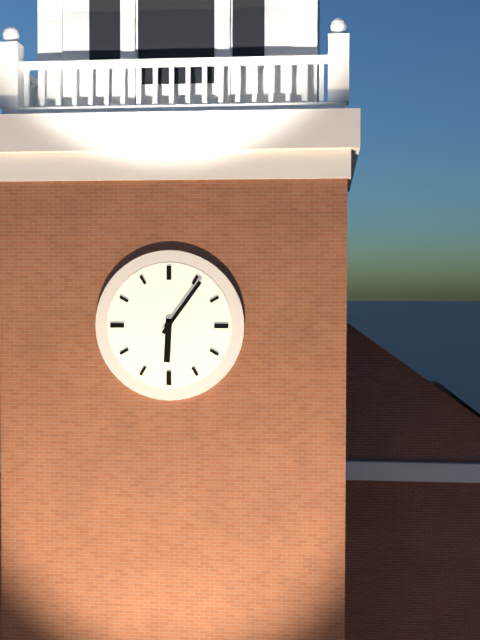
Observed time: **6:06**
